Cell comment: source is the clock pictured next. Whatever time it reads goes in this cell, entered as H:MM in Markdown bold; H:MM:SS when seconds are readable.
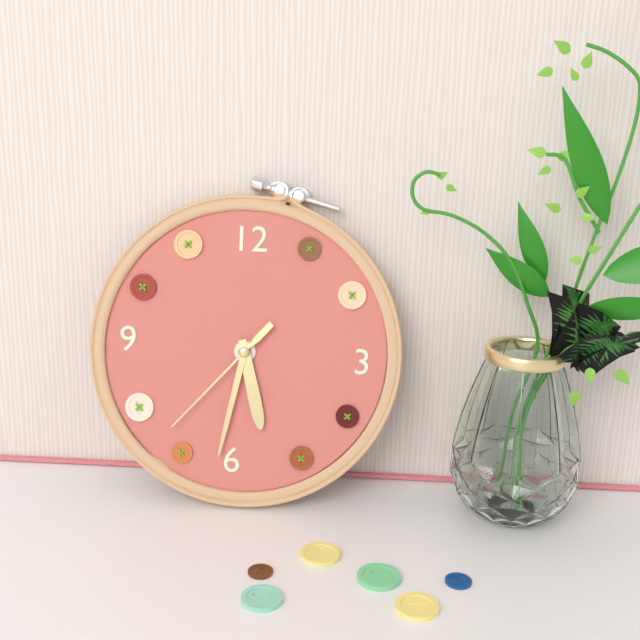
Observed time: **5:32:37**
